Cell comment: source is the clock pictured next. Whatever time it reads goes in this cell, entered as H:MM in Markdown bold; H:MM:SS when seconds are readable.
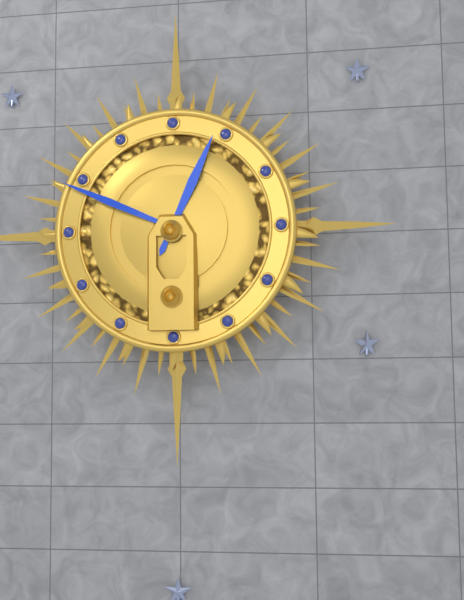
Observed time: **12:49**
